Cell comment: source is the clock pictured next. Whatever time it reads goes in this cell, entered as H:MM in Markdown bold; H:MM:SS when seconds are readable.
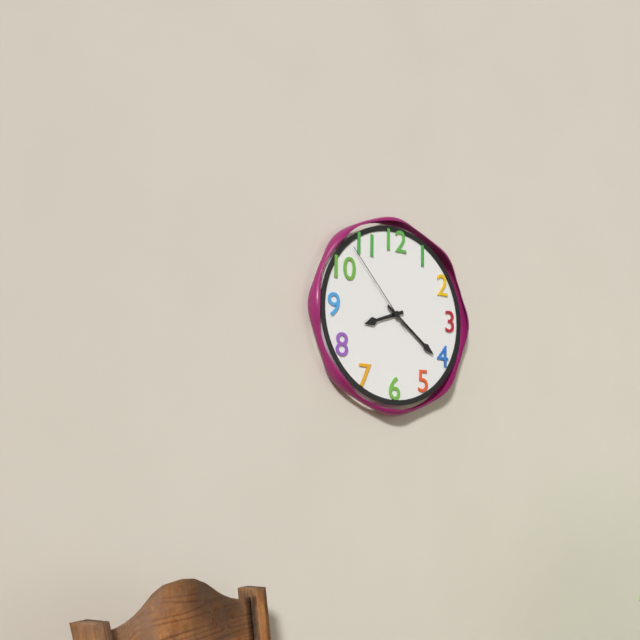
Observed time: **8:21:53**
